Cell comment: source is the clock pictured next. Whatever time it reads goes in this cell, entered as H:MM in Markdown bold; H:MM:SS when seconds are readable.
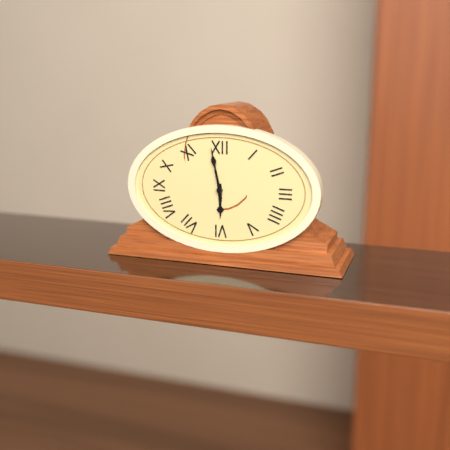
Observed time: **5:58**
